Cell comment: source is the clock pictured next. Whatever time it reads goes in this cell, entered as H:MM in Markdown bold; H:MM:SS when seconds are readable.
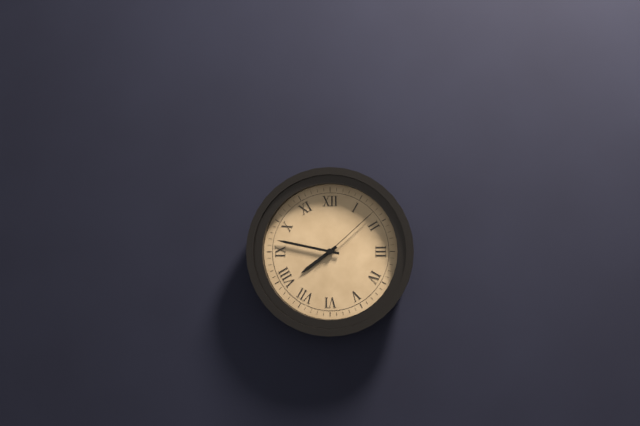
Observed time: **7:47:08**
